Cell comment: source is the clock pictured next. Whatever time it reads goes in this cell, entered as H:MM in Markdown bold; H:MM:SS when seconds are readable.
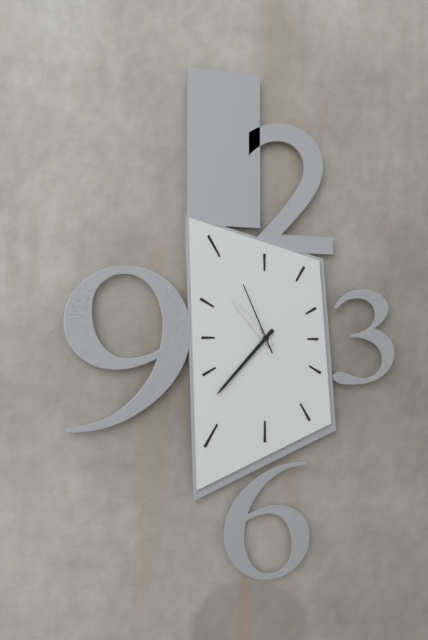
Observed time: **10:37:56**
